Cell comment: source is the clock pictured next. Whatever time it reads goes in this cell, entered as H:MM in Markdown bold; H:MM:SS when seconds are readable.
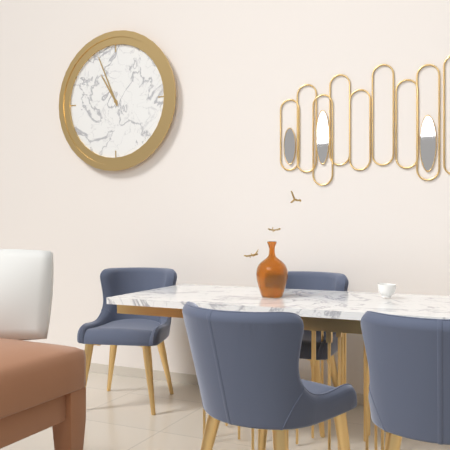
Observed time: **10:56**
